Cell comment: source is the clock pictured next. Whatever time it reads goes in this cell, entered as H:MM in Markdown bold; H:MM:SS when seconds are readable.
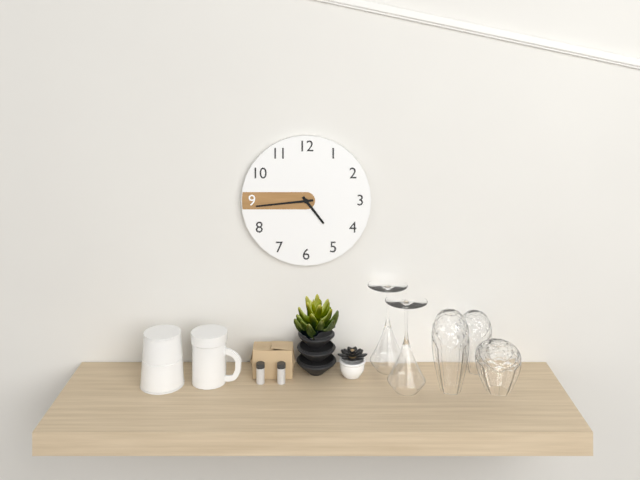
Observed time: **4:44**
